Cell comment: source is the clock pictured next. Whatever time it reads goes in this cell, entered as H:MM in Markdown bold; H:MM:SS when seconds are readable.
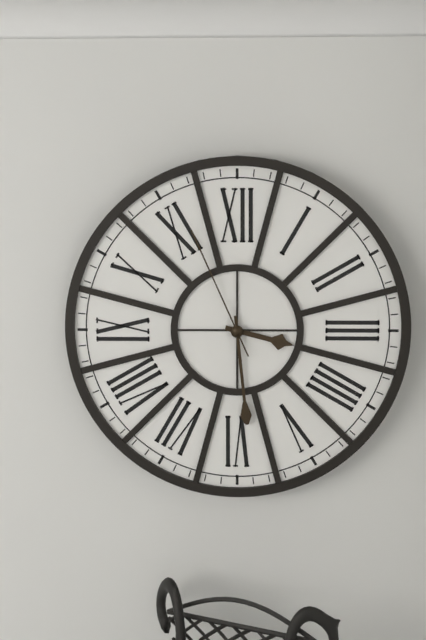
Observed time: **3:29:56**
